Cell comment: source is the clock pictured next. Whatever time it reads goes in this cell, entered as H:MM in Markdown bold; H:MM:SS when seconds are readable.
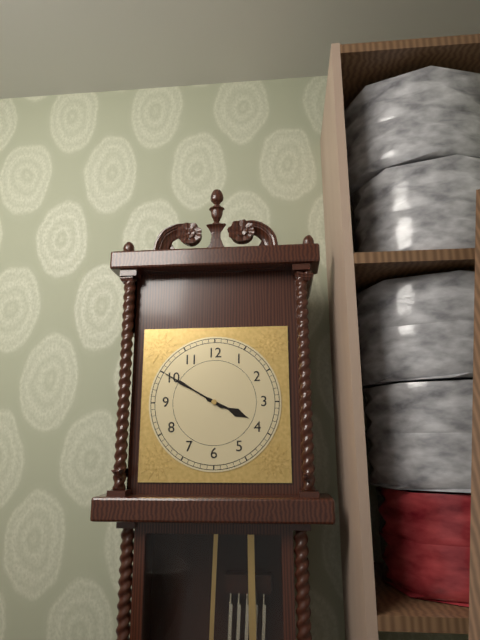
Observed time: **3:50**
